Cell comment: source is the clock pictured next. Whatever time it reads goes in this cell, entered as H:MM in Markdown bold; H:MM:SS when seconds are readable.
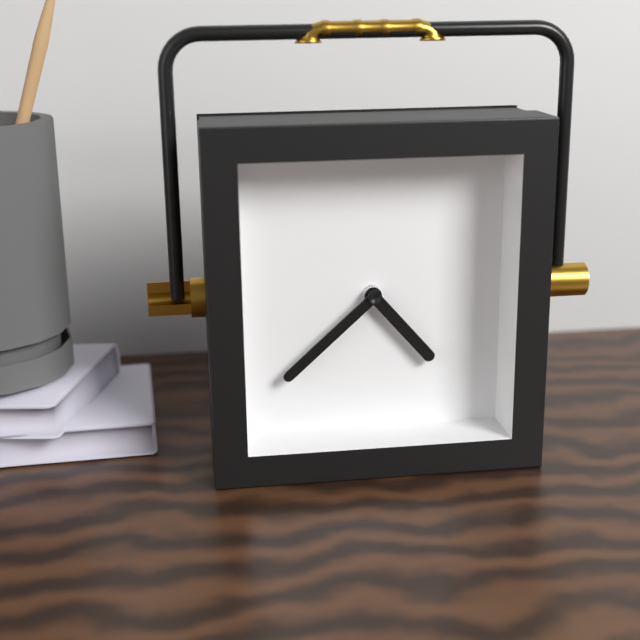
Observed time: **4:38**
